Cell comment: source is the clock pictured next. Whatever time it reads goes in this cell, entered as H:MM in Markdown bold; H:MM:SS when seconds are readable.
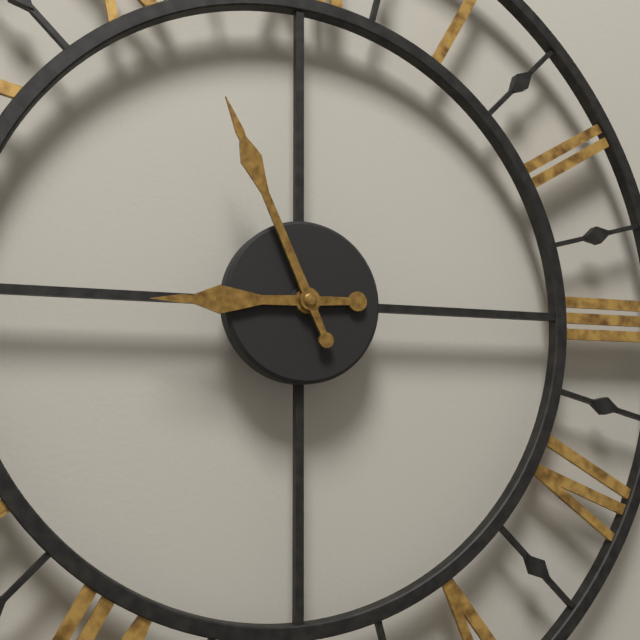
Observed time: **8:56**
